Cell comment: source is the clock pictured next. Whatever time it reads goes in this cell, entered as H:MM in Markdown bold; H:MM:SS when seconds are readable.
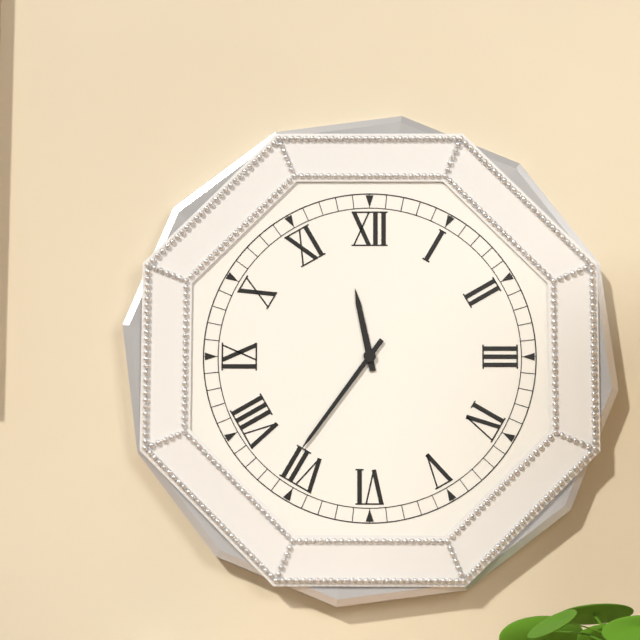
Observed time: **11:36**
